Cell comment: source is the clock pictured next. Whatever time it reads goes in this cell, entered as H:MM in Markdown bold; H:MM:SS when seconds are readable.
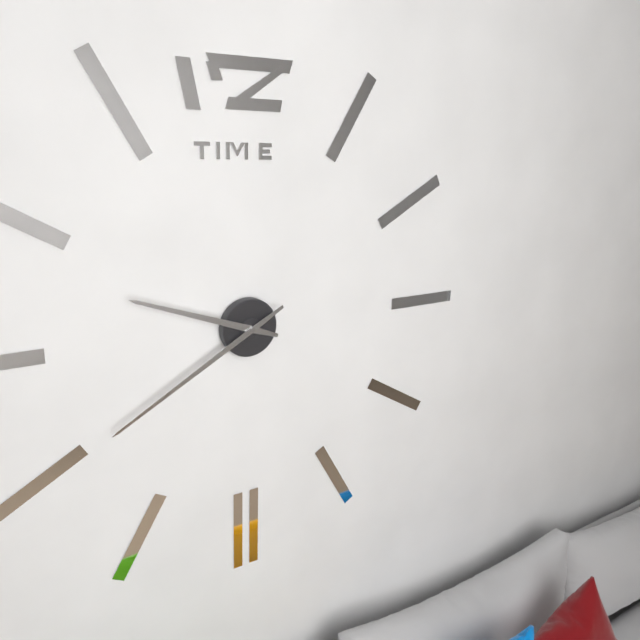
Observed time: **9:40**
